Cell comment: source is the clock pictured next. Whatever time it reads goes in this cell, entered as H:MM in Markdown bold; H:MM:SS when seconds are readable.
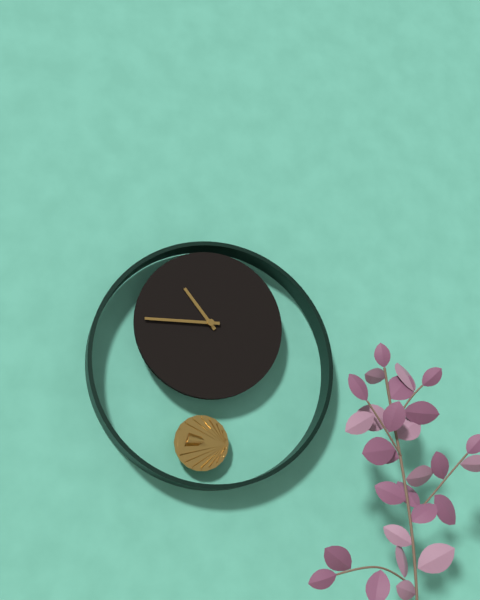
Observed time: **10:45**
